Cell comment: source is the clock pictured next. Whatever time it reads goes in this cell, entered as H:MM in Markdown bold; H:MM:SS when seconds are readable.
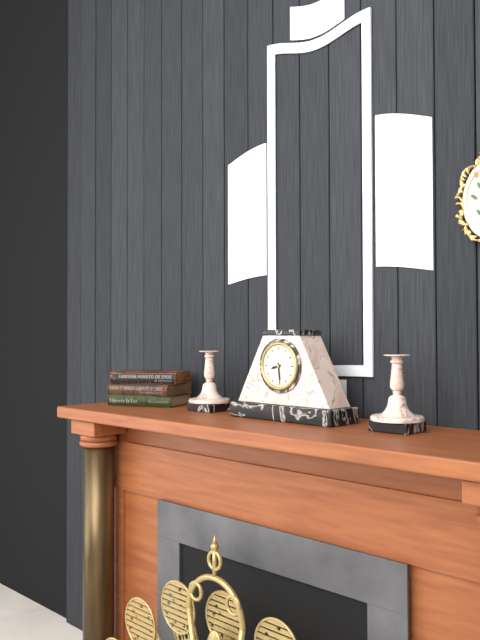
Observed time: **8:29**
